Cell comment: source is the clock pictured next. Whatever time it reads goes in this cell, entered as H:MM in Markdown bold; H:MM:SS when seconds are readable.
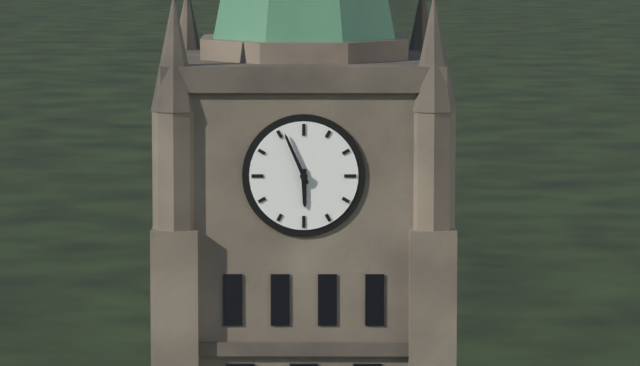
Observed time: **5:56**
